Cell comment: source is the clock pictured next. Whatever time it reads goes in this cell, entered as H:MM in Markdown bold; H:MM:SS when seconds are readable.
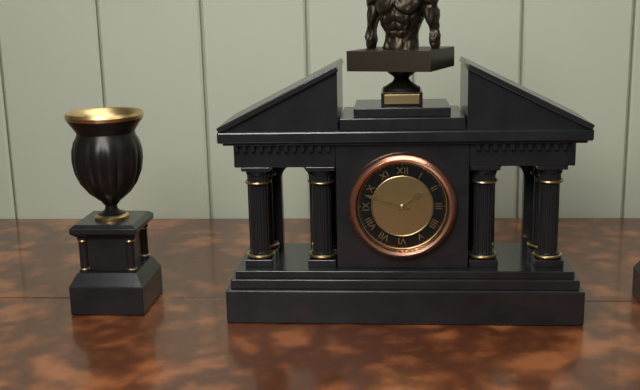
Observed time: **1:48**
